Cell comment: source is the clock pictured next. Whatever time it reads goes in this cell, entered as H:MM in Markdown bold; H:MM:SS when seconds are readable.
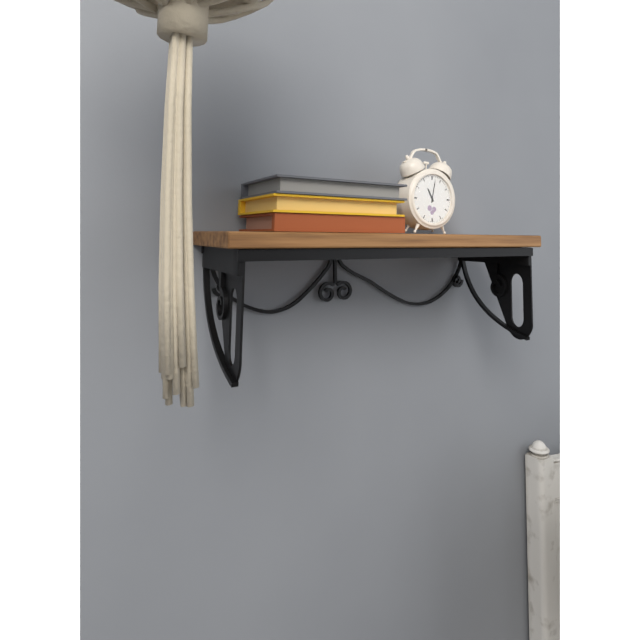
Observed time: **11:02**
